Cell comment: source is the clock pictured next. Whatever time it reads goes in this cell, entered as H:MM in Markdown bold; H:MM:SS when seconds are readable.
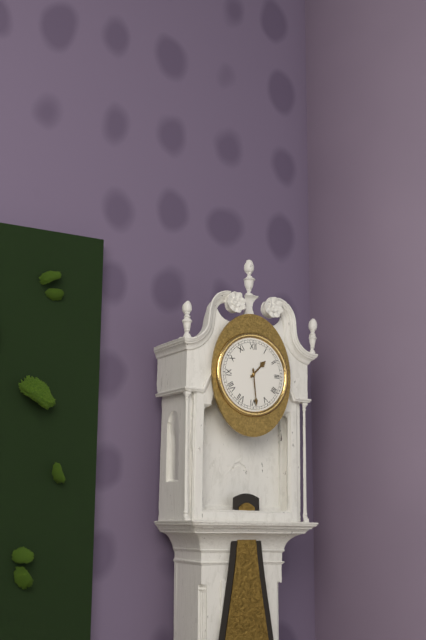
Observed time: **1:29**
